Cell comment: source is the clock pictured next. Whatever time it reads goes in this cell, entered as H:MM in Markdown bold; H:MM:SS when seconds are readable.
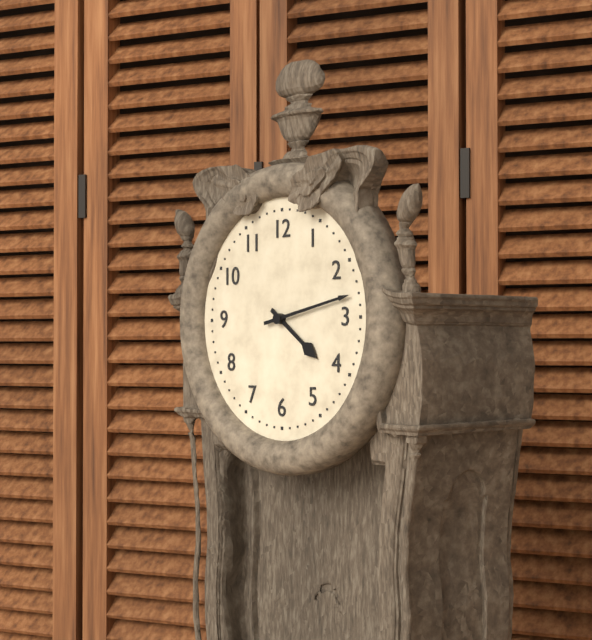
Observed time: **4:13**
